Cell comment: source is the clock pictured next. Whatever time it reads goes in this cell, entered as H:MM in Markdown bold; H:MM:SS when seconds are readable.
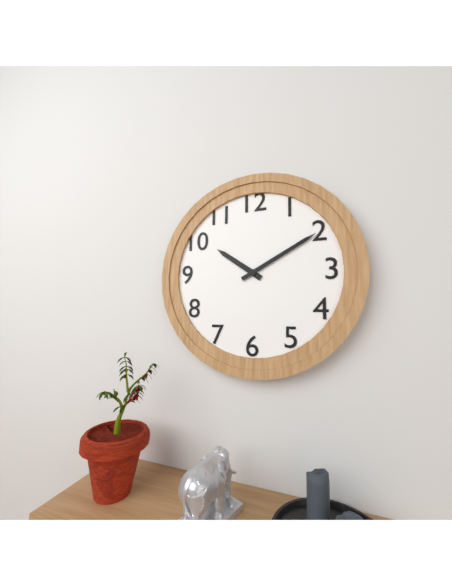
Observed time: **10:10**
